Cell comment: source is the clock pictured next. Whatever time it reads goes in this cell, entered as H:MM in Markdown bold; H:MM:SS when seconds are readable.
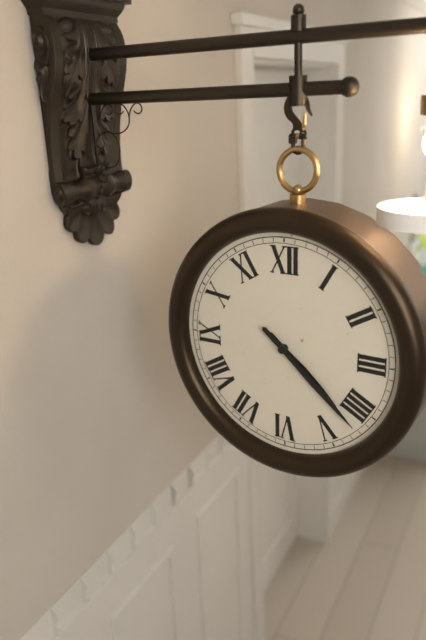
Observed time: **4:22**
